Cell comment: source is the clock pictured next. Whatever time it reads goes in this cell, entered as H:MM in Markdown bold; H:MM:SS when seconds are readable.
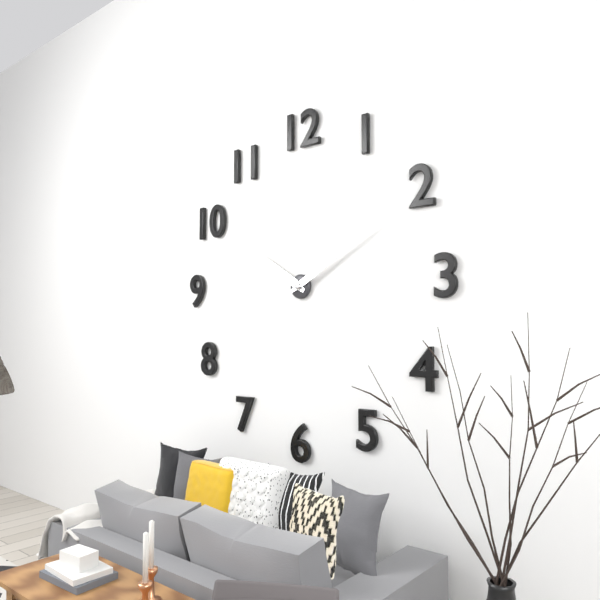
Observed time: **10:10**
